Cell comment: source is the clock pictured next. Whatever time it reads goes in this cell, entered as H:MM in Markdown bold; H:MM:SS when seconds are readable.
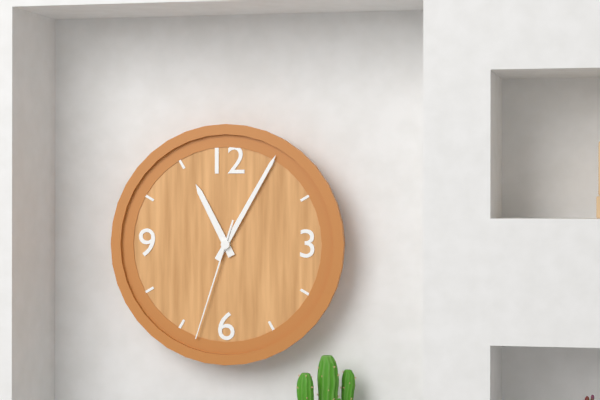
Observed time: **11:05:33**
